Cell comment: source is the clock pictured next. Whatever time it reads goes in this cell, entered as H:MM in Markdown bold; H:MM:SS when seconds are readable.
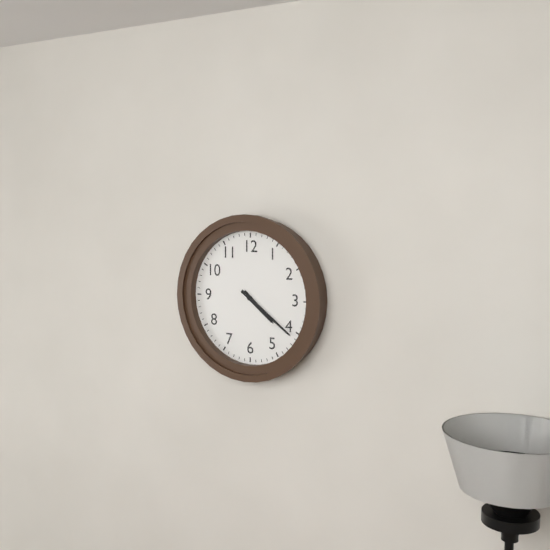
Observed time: **4:21**
